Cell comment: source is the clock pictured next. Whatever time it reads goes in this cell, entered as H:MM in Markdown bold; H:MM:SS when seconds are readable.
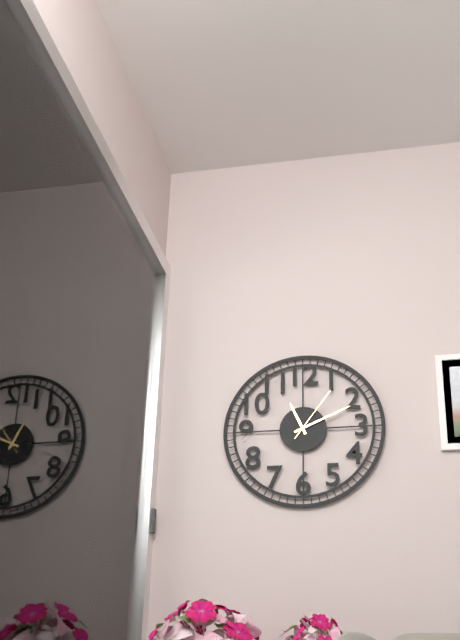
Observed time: **11:11:06**
